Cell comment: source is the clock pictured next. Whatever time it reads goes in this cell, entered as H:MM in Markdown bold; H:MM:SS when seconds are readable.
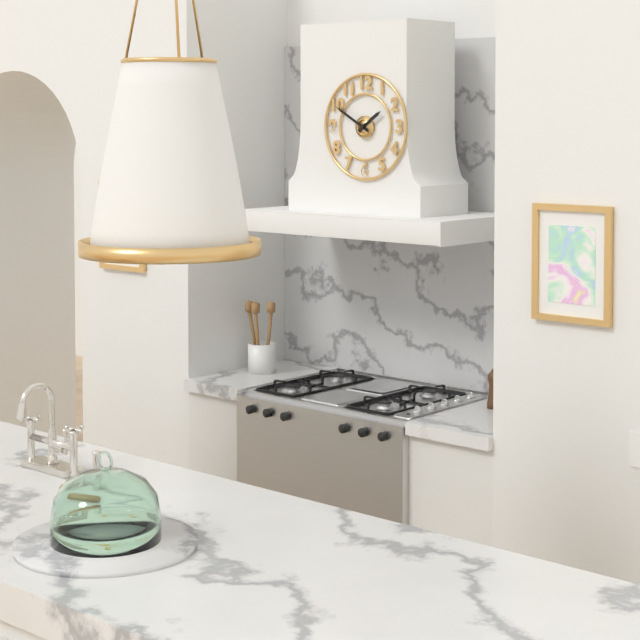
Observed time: **1:50**
